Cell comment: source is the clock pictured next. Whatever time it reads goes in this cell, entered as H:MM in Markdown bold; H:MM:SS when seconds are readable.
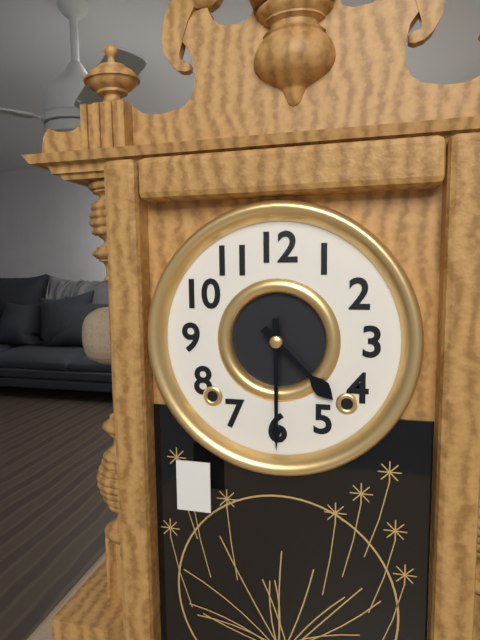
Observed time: **4:30**
